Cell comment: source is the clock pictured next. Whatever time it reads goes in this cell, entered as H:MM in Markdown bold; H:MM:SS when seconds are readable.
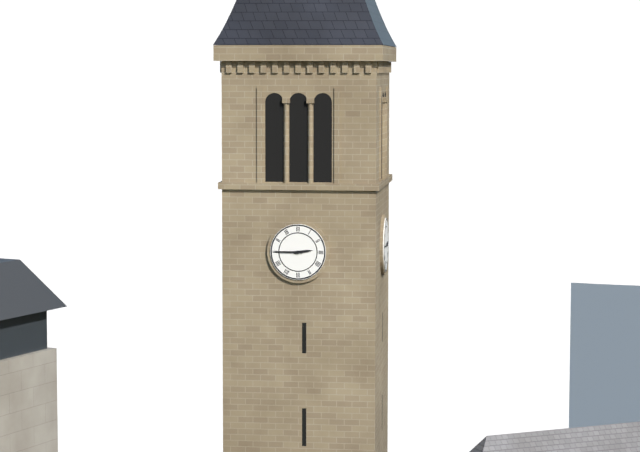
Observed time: **2:45**
